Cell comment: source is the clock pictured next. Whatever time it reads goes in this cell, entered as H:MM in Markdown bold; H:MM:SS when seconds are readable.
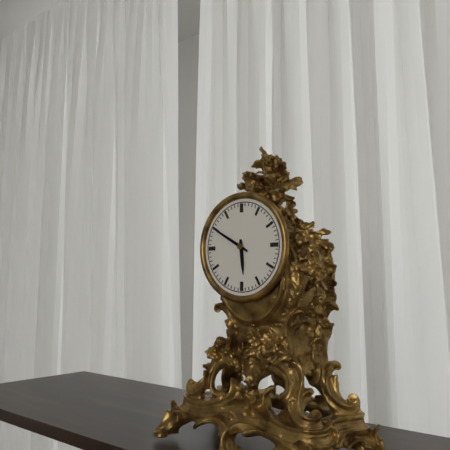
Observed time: **5:50**
